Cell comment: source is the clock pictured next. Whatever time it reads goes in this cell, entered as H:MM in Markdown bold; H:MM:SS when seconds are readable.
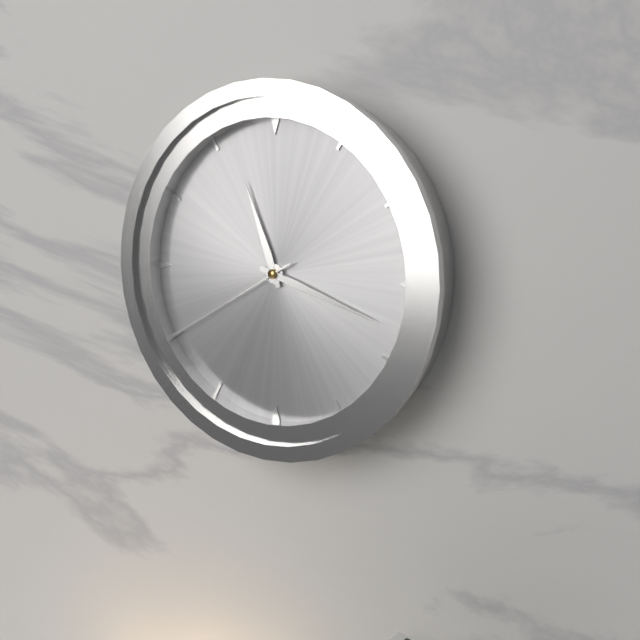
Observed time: **11:18:40**
